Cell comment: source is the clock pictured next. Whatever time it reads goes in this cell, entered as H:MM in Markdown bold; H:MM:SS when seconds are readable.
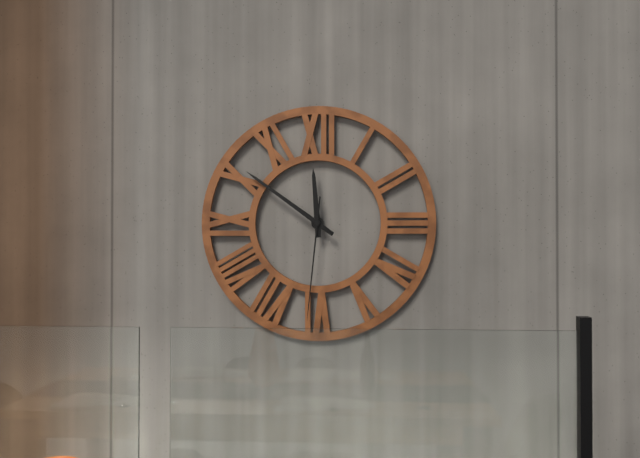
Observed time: **11:51:31**
